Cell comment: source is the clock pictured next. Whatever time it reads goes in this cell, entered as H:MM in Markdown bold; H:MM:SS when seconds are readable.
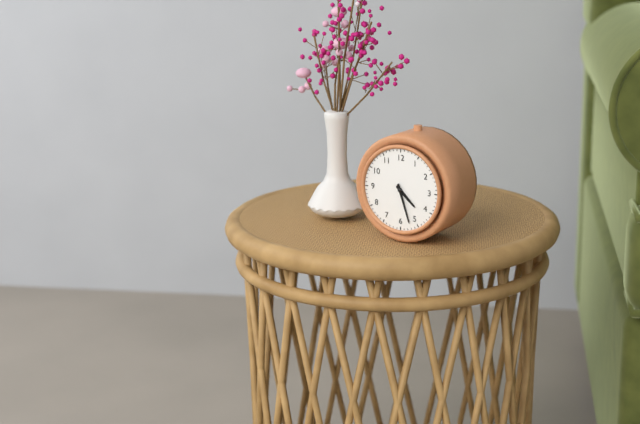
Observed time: **4:27**
